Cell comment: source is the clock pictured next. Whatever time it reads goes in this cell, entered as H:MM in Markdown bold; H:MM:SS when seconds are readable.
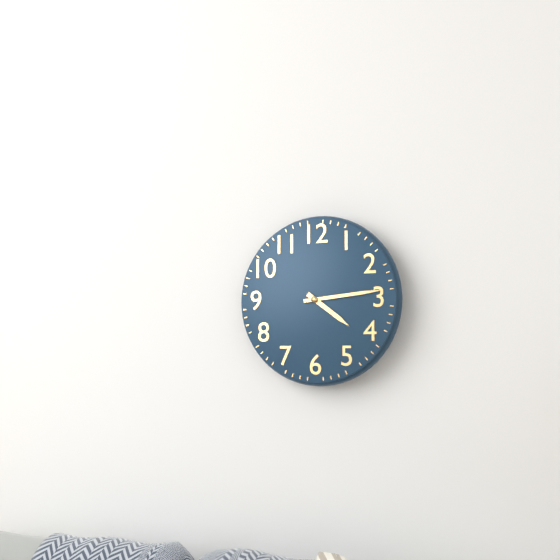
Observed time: **4:14**
